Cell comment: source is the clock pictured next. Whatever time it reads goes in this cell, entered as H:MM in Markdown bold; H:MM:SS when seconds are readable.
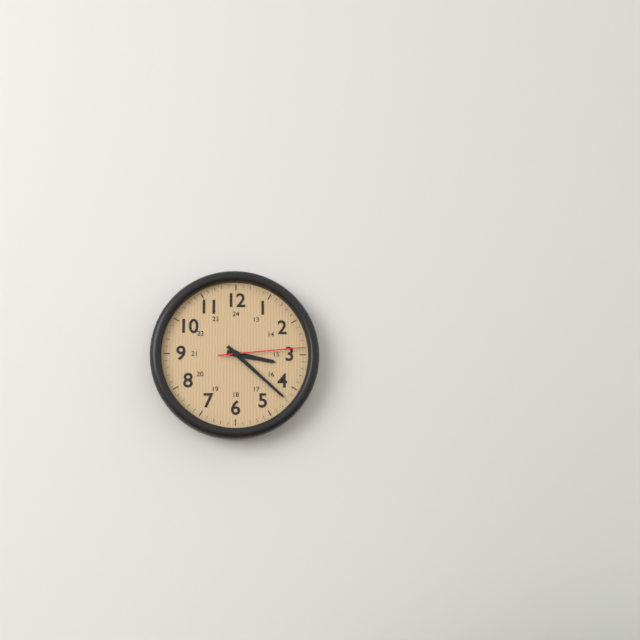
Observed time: **3:22:14**
